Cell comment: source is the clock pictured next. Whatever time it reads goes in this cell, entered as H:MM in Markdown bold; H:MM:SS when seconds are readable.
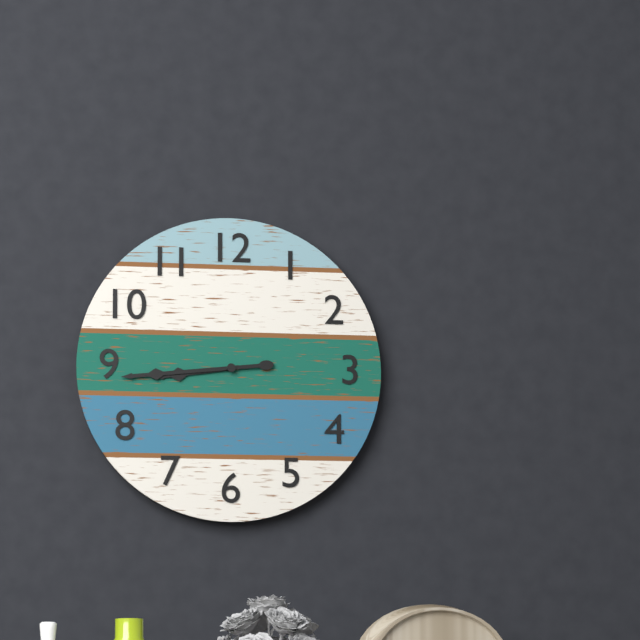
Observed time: **8:44**
